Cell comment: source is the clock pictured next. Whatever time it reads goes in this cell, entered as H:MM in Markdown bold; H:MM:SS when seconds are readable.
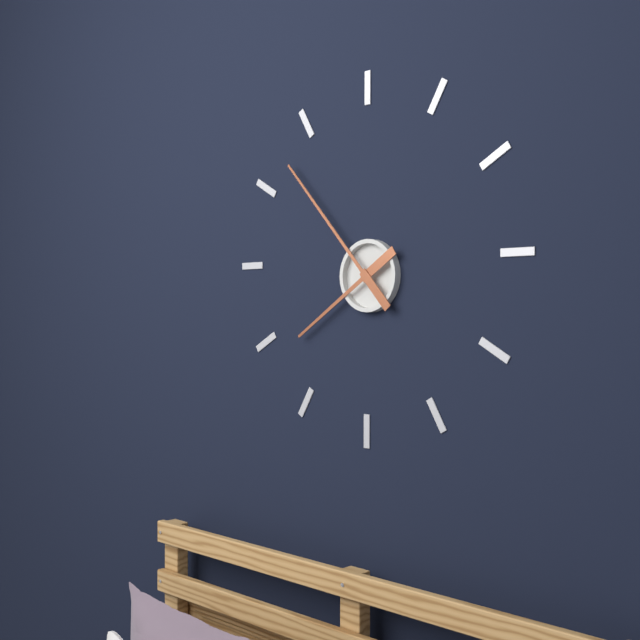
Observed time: **7:53**
